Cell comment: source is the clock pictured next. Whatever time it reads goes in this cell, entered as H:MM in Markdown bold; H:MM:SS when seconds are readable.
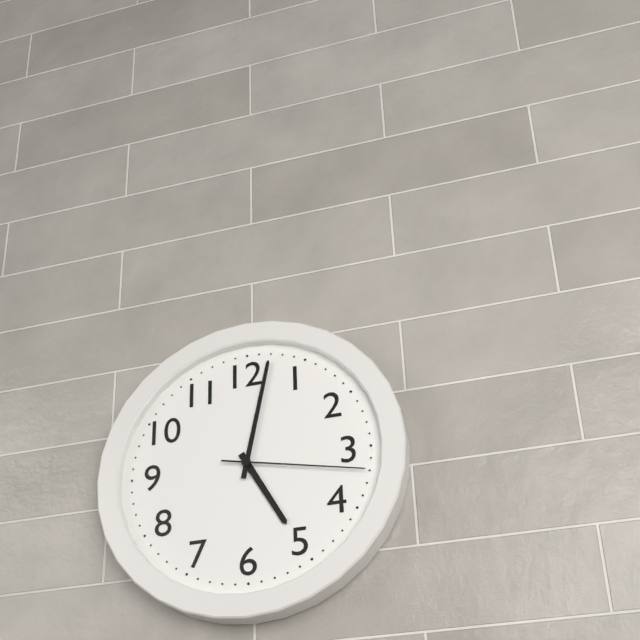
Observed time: **5:02:17**
